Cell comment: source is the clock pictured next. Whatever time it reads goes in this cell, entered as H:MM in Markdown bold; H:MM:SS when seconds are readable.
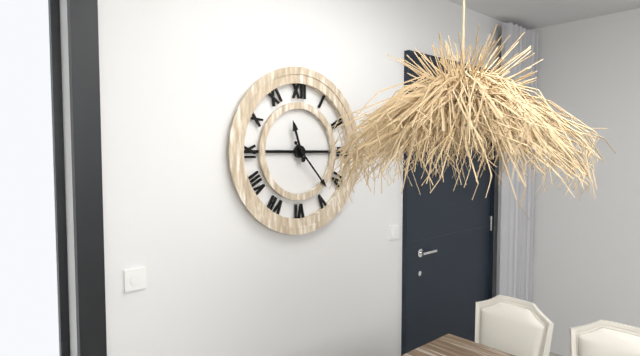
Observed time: **11:23**
